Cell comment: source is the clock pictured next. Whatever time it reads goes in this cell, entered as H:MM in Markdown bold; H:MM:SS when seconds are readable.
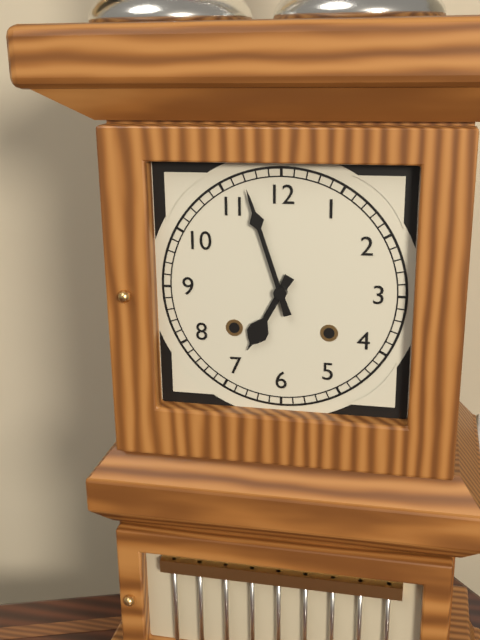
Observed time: **6:57**
